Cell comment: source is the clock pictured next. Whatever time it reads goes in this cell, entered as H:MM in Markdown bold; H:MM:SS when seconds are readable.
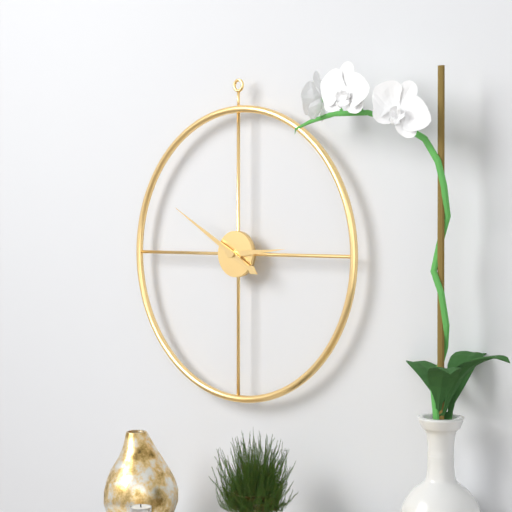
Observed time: **2:50**
